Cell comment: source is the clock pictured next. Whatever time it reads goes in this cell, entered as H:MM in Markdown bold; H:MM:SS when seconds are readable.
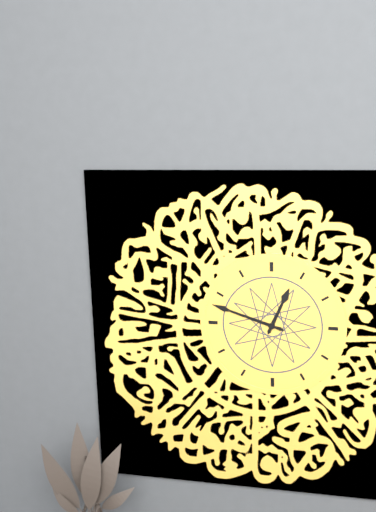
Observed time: **12:48**
